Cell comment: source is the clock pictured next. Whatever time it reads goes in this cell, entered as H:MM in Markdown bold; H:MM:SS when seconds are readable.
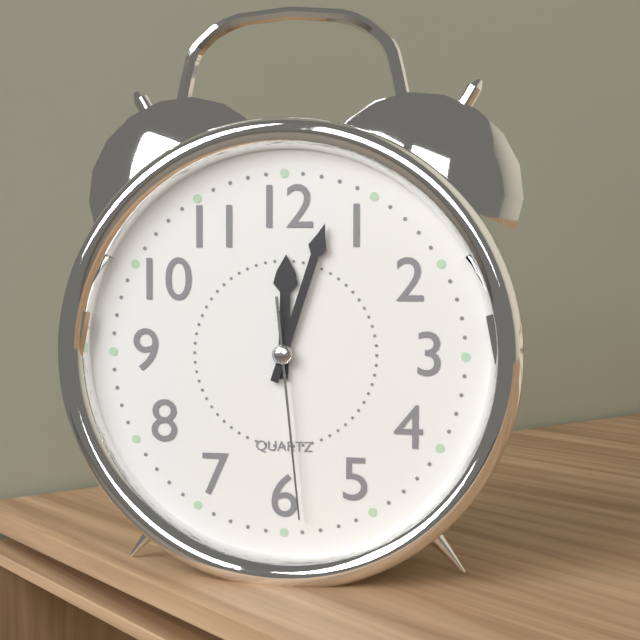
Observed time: **12:03:29**
